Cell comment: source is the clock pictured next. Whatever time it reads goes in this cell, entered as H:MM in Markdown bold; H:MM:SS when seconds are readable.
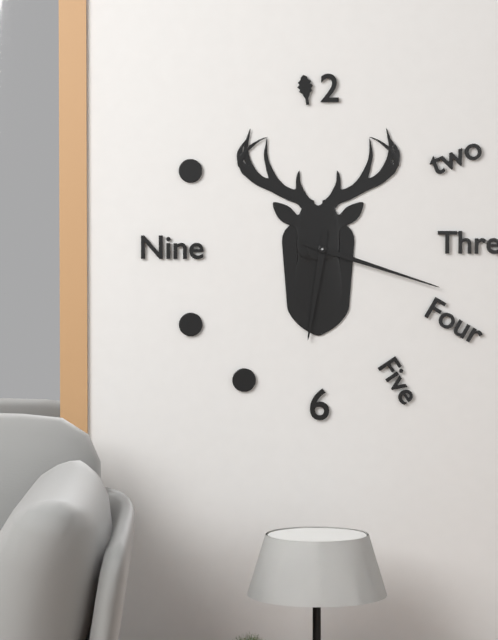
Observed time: **6:18**
